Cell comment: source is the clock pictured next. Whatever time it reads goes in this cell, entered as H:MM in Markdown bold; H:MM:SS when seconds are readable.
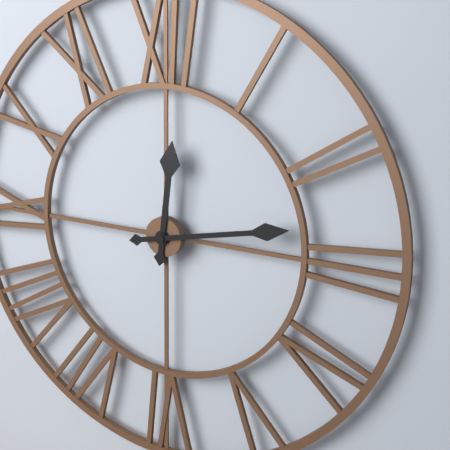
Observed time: **12:13**
